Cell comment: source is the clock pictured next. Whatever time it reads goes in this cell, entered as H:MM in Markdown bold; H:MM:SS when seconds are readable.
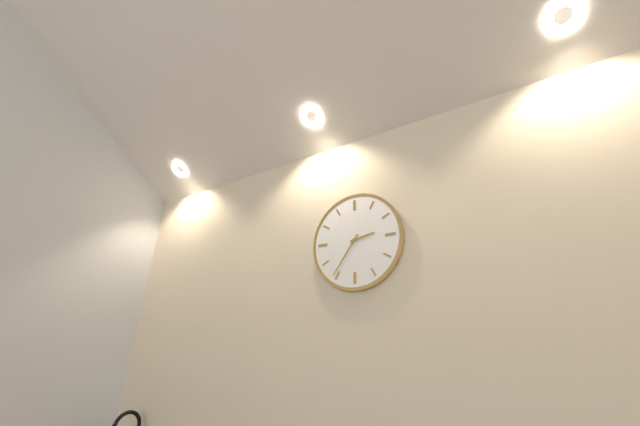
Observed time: **2:36**
